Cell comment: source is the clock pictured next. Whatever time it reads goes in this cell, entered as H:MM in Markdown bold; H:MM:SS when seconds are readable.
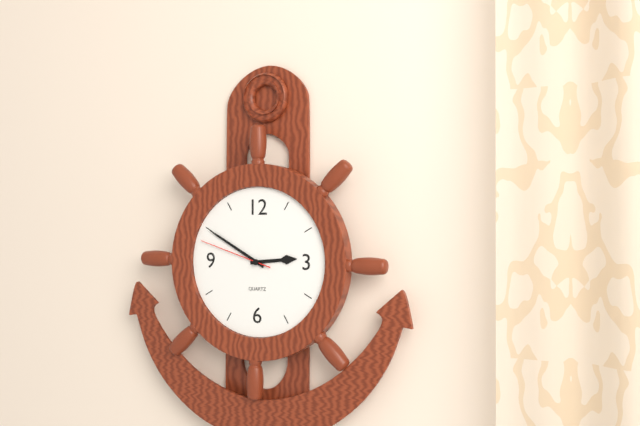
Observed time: **2:50:48**
